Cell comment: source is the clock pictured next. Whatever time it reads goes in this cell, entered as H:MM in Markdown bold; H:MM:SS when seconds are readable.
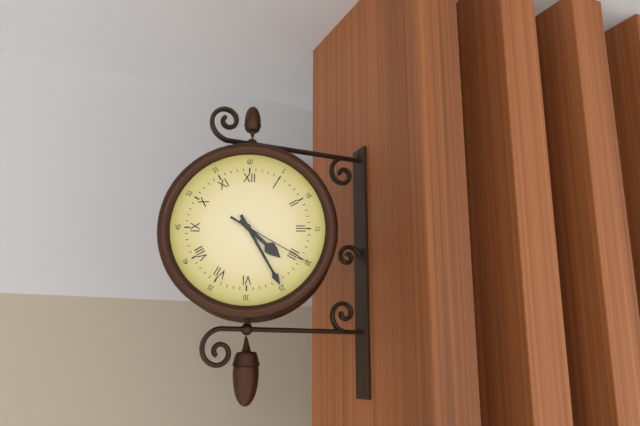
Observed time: **4:25:20**
